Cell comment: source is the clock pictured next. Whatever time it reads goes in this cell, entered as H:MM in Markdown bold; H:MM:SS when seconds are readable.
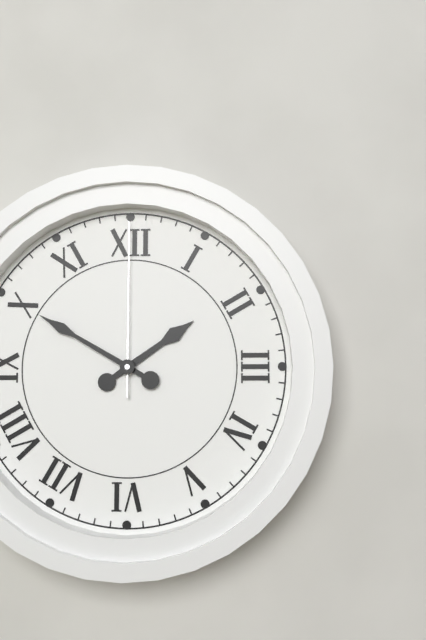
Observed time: **1:50:00**
